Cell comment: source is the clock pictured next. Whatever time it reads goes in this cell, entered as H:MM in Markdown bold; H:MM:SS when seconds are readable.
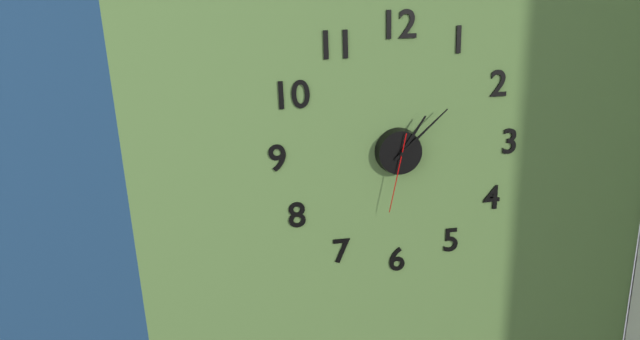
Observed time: **1:08:32**
